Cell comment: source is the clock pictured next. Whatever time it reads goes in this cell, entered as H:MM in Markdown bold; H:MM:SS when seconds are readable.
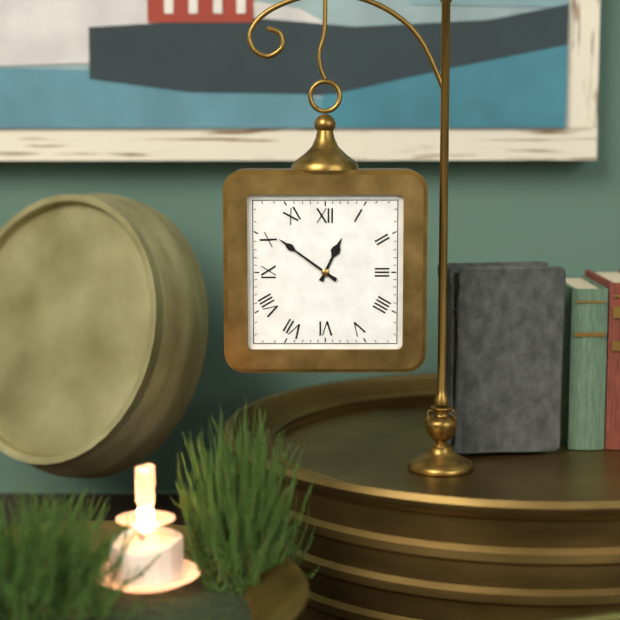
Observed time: **12:51**
